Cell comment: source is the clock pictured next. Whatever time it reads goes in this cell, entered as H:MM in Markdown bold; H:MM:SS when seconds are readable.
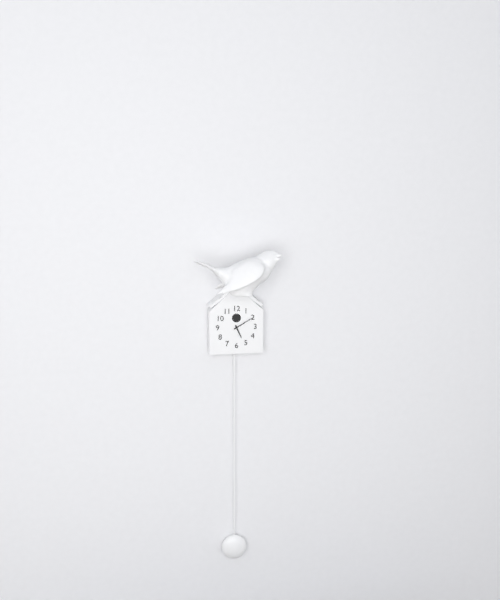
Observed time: **5:10**
